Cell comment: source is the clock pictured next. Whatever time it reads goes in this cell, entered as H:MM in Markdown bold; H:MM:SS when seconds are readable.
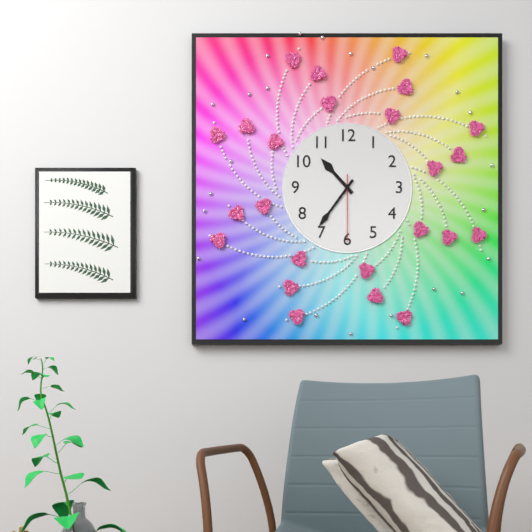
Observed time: **10:36:30**
